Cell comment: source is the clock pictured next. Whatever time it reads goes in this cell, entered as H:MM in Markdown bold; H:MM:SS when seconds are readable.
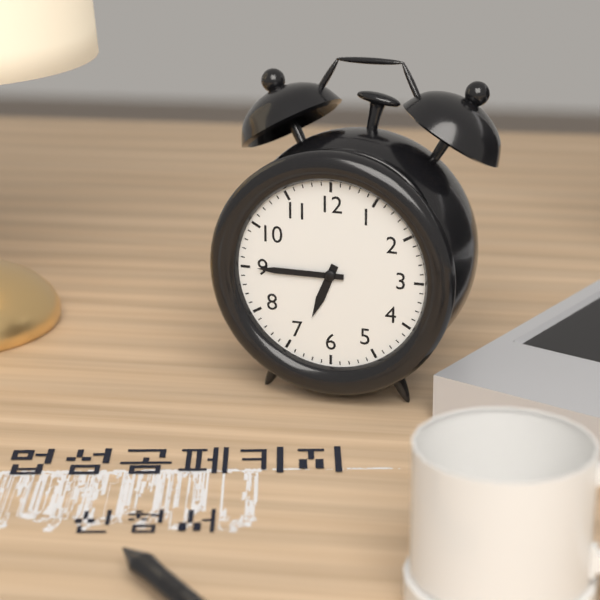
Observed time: **6:45**
